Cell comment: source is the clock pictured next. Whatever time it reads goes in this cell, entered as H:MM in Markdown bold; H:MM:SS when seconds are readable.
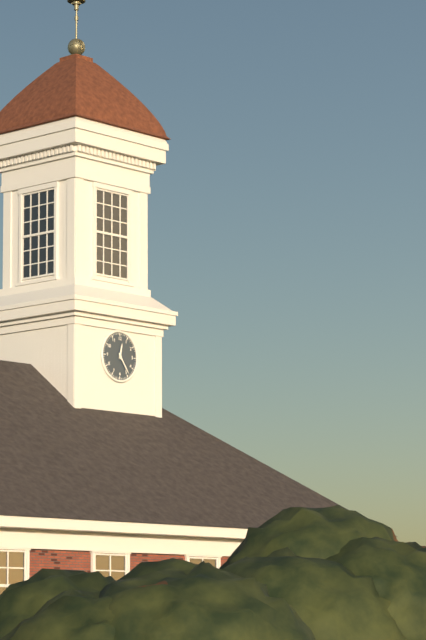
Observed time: **12:24**
